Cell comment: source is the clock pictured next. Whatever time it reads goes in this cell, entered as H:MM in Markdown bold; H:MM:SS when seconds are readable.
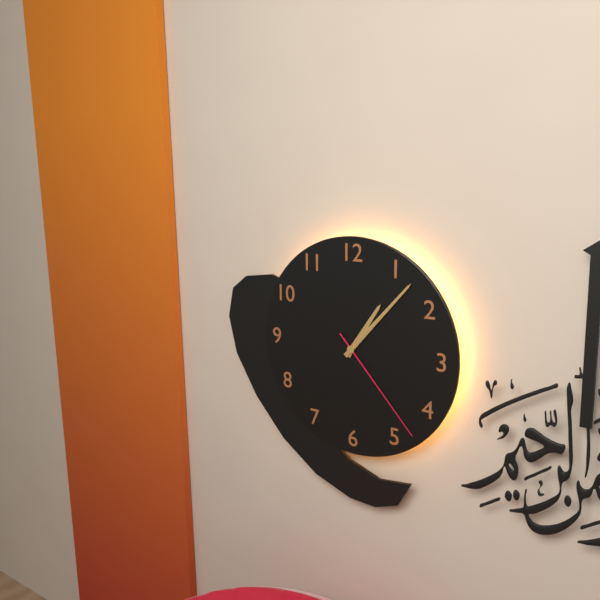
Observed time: **1:07:23**
